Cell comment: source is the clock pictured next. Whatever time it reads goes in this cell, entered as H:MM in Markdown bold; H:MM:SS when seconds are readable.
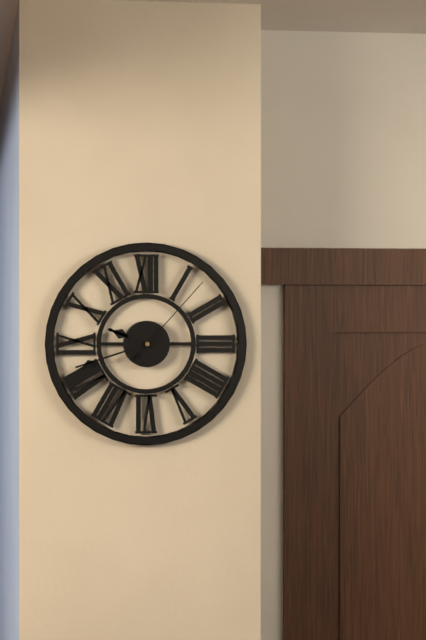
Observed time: **9:42:07**
